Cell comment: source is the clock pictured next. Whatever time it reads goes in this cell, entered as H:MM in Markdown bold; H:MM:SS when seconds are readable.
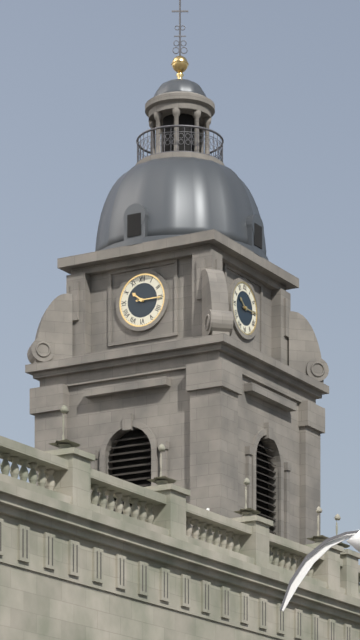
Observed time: **10:15**
